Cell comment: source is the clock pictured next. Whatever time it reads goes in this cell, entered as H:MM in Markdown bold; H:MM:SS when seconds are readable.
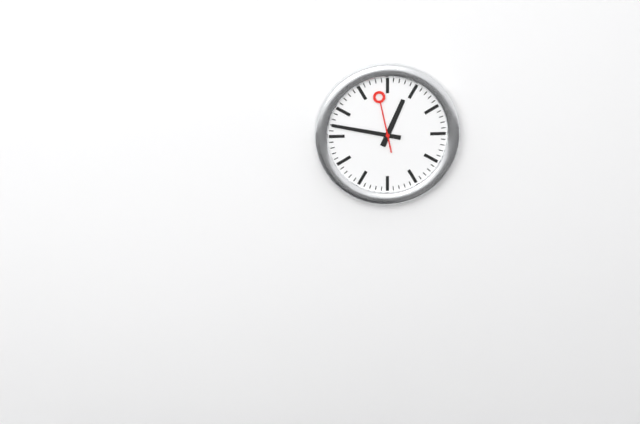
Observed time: **12:47:58**
